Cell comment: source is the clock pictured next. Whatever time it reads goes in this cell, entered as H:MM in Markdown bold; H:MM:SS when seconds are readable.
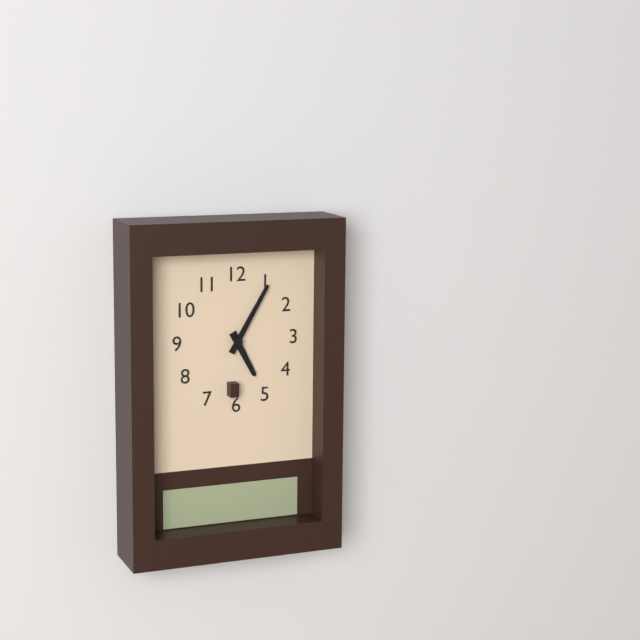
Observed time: **5:05**
